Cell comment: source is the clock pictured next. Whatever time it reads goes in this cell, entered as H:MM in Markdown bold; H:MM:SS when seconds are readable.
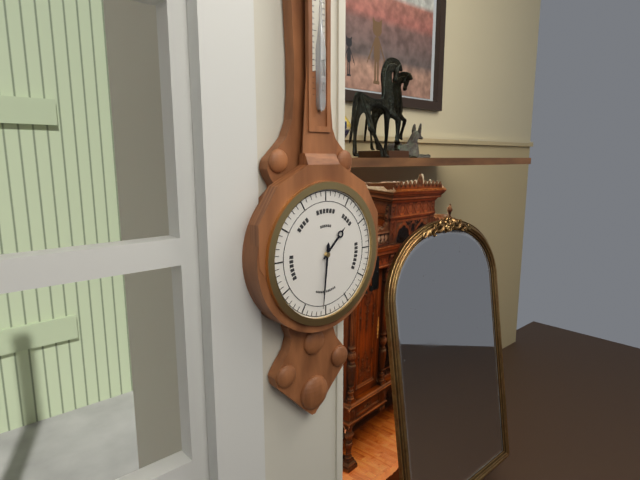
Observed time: **1:31**
